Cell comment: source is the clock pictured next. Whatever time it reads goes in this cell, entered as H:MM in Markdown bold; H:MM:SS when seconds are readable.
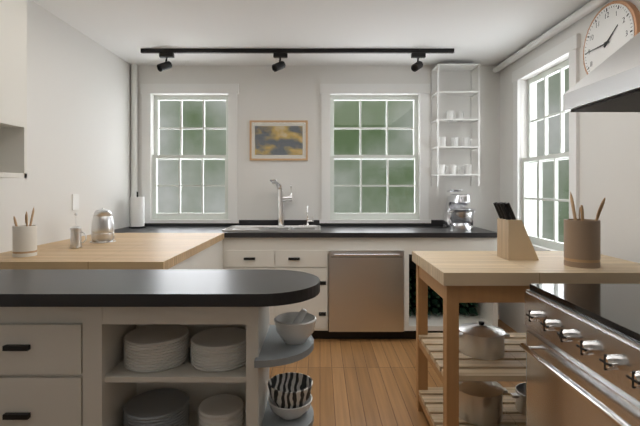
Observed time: **1:45**
